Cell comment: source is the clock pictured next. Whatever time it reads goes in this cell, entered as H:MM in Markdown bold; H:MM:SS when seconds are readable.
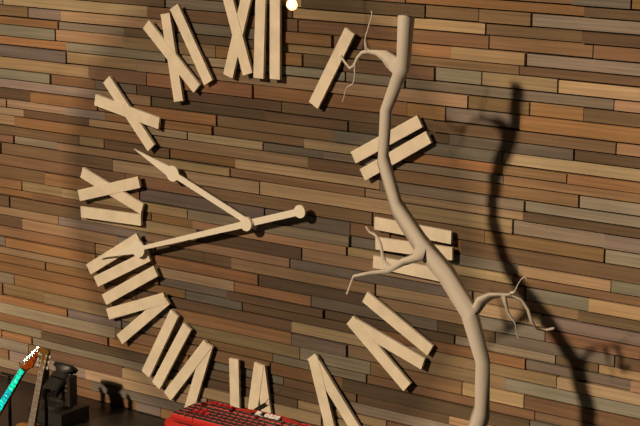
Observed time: **9:42**
